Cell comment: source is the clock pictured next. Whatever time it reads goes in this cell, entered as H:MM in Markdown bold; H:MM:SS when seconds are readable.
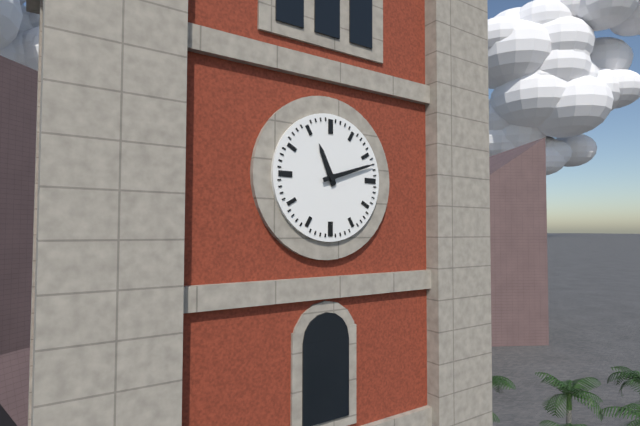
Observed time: **11:12**
